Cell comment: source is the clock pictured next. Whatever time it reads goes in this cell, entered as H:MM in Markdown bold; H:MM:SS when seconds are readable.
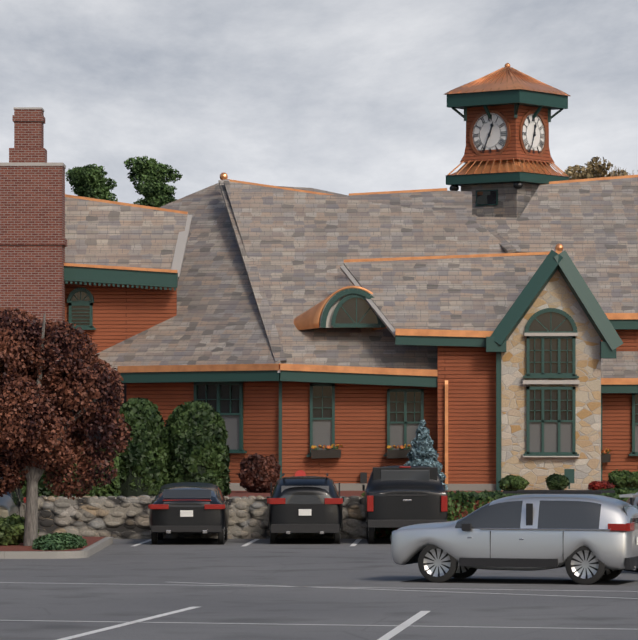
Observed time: **12:34**
